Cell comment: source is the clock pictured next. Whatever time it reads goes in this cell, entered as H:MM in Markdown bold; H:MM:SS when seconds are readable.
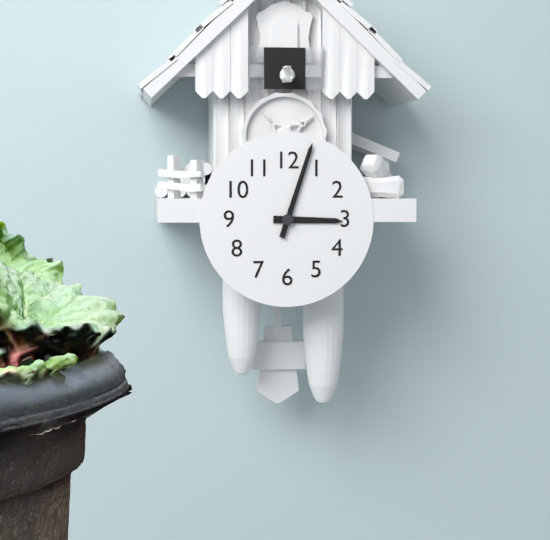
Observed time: **3:03**
